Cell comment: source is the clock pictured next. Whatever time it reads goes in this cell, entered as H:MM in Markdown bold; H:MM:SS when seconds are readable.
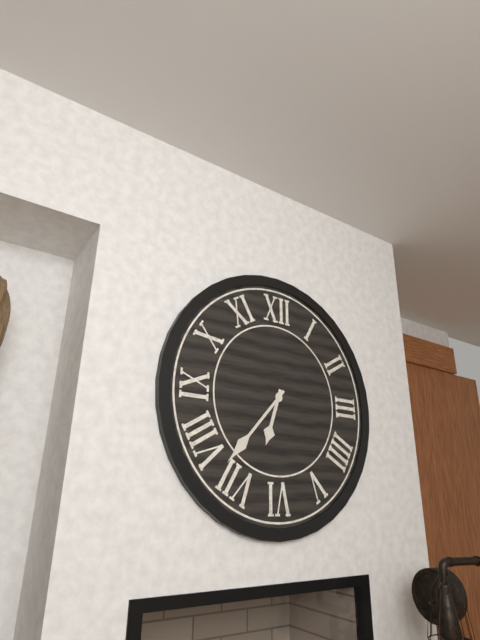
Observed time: **6:37**
